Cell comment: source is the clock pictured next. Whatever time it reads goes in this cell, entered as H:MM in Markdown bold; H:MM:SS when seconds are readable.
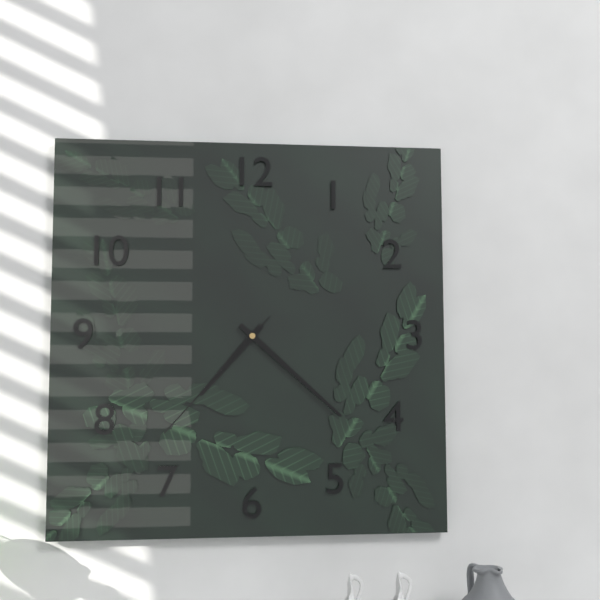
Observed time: **7:22:37**
